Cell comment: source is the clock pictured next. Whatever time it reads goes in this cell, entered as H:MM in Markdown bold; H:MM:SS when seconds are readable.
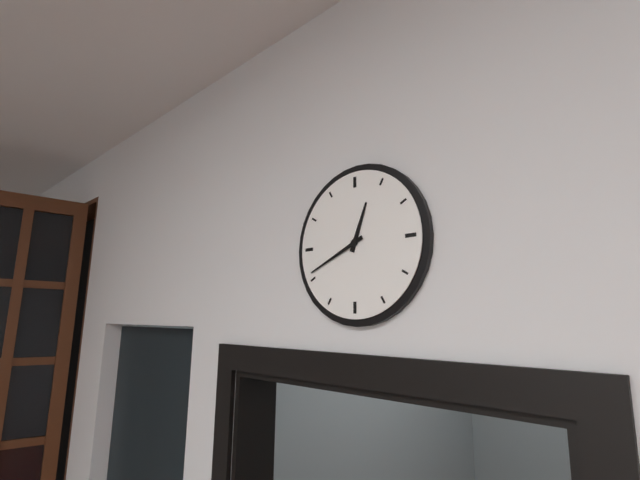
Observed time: **12:41**
